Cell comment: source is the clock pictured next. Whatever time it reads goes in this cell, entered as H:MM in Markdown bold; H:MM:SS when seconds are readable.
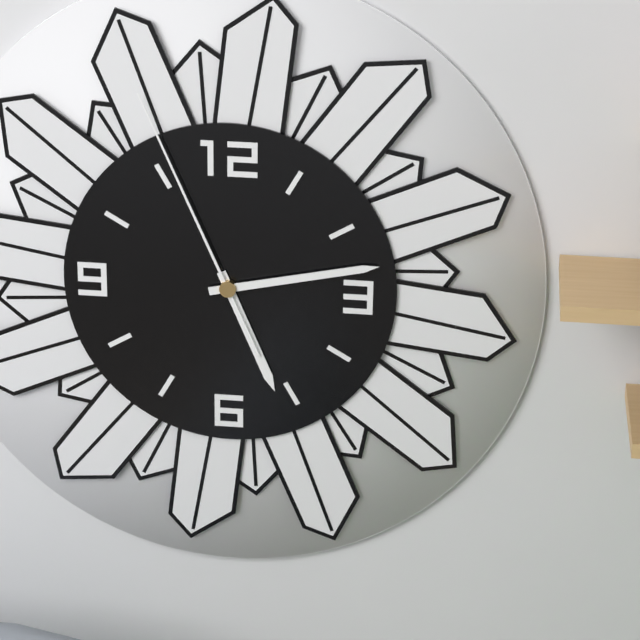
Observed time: **5:13:56**
